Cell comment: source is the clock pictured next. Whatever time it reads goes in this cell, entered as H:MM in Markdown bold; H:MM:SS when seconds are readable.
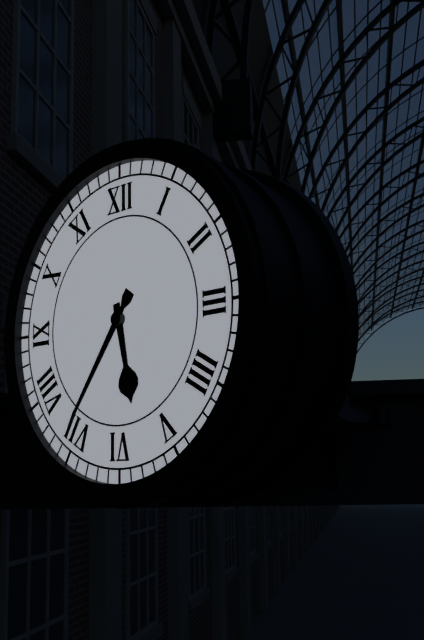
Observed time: **5:36**
